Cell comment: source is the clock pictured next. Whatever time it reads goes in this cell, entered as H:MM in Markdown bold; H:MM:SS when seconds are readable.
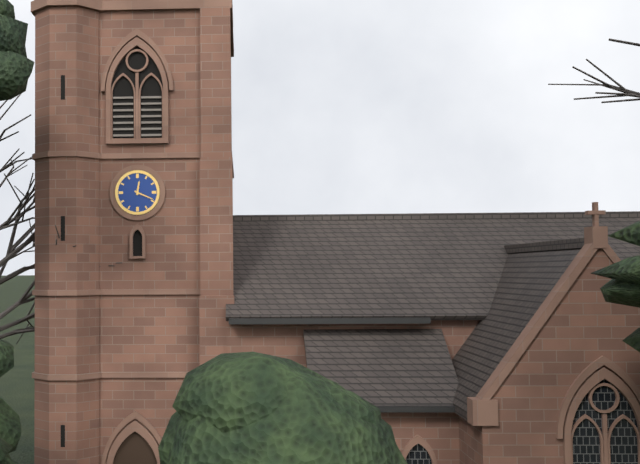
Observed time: **12:19**
